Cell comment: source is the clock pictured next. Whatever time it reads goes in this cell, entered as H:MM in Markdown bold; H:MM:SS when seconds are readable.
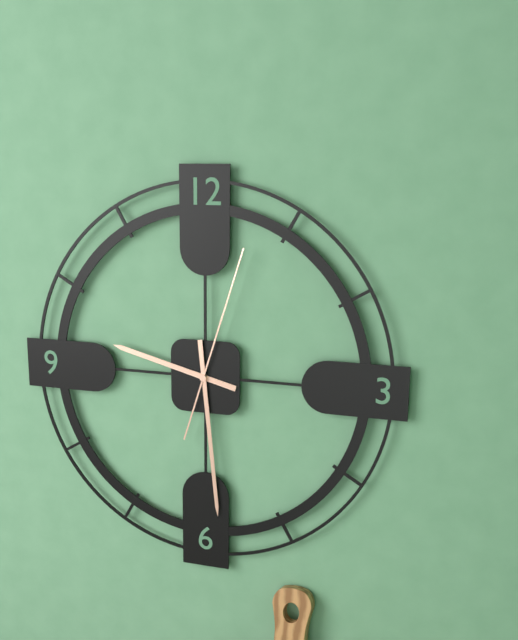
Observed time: **9:29:03**
